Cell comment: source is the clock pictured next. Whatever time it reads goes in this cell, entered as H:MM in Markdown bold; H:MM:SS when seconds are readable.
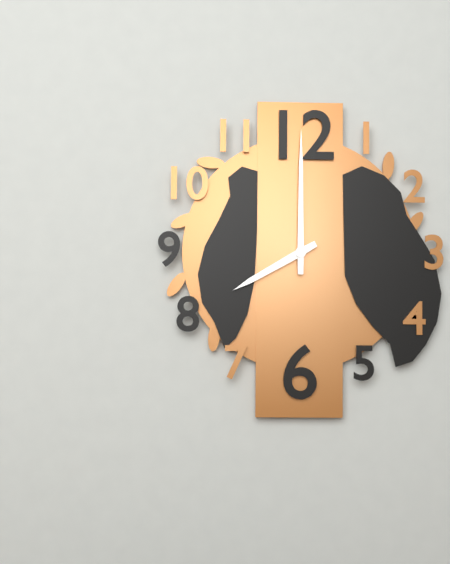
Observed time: **8:00**
